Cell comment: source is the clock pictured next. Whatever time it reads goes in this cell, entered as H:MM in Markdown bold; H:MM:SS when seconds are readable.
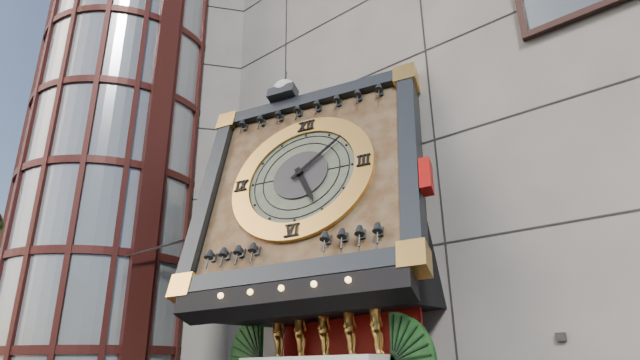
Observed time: **5:08**
